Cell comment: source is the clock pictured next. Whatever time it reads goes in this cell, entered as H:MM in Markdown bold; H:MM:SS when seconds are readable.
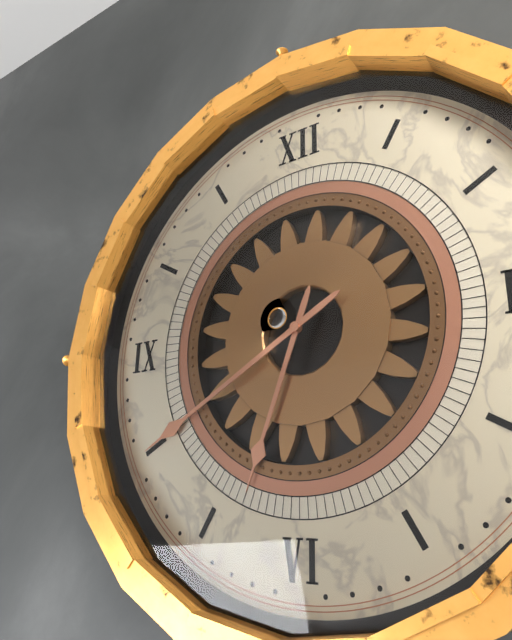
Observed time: **6:40**
